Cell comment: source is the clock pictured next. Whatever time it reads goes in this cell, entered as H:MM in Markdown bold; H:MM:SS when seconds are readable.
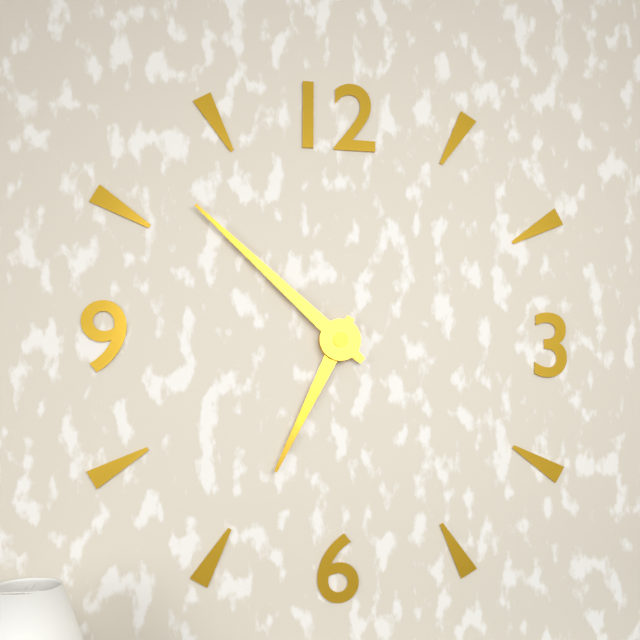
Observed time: **6:52**
